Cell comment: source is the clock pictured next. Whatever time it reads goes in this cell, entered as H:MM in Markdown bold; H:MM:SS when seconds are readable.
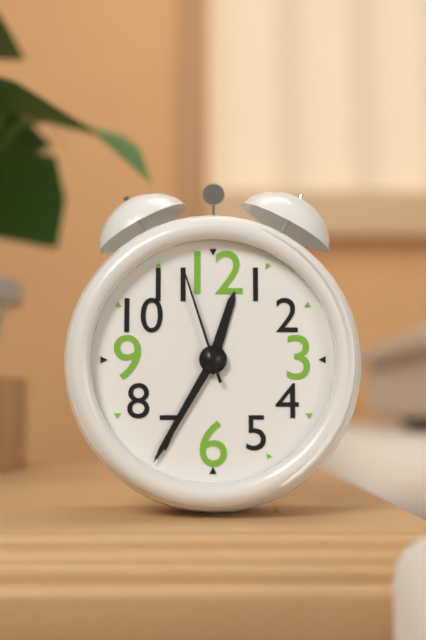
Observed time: **12:35:57**
